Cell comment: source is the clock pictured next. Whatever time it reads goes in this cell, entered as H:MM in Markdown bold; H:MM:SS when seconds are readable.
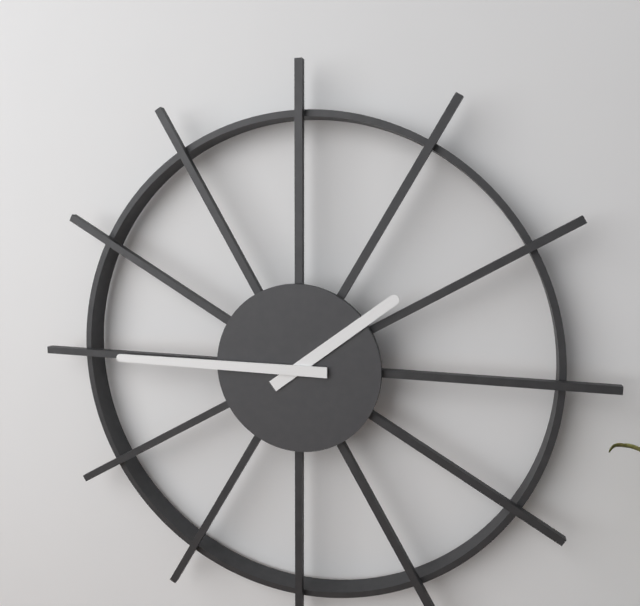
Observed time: **1:45**
